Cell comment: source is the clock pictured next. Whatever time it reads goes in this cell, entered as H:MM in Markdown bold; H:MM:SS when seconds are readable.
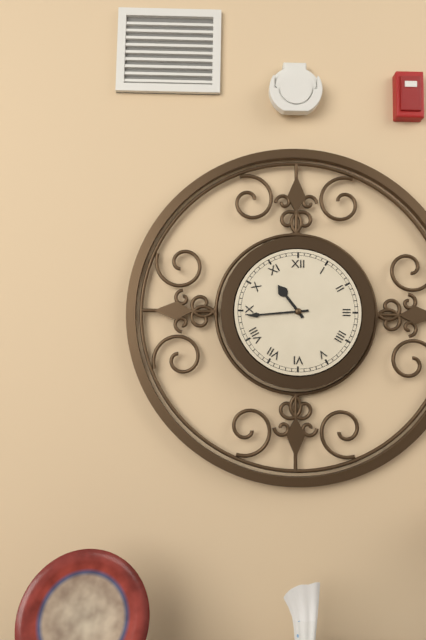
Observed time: **10:44**
